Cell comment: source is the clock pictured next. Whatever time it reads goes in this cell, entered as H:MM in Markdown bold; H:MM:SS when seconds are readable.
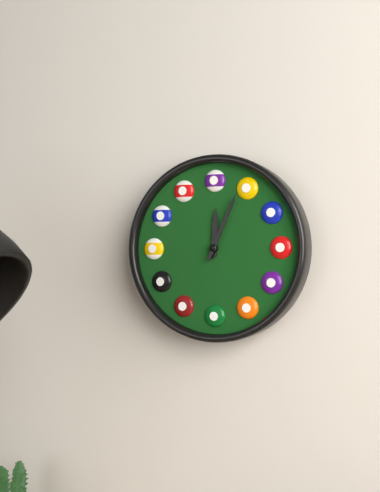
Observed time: **12:04**
